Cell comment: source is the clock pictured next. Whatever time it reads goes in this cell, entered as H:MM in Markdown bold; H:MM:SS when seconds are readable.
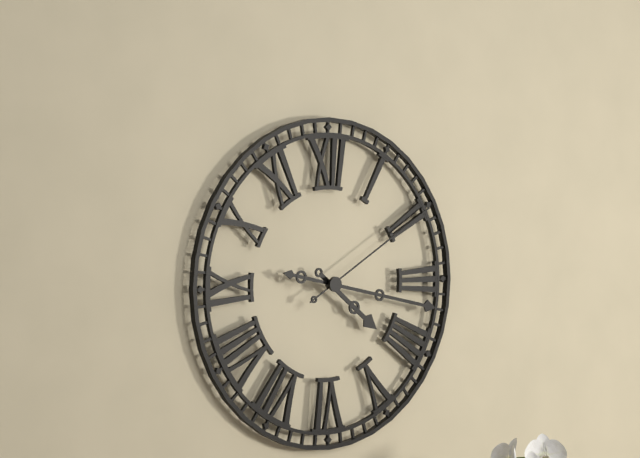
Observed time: **4:17:10**
